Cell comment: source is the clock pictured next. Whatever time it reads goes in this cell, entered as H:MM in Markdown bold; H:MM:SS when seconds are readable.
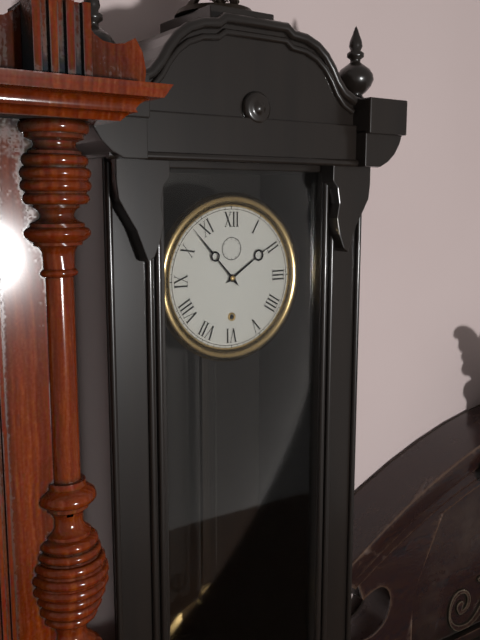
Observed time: **1:53**
